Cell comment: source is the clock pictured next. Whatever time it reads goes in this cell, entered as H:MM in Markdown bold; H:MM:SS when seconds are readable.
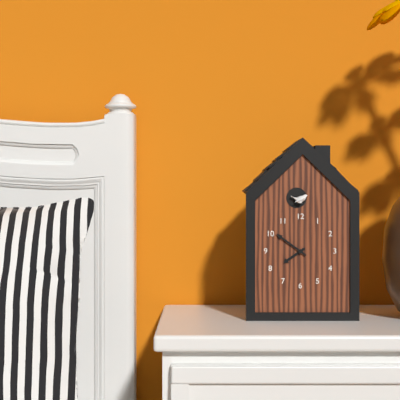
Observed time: **7:51**
